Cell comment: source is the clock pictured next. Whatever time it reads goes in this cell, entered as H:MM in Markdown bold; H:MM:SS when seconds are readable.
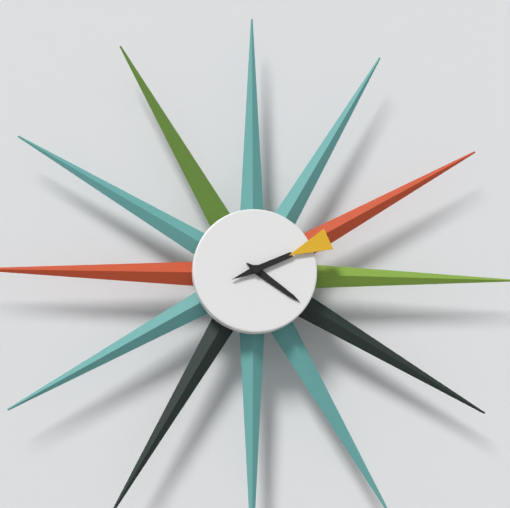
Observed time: **4:11**
